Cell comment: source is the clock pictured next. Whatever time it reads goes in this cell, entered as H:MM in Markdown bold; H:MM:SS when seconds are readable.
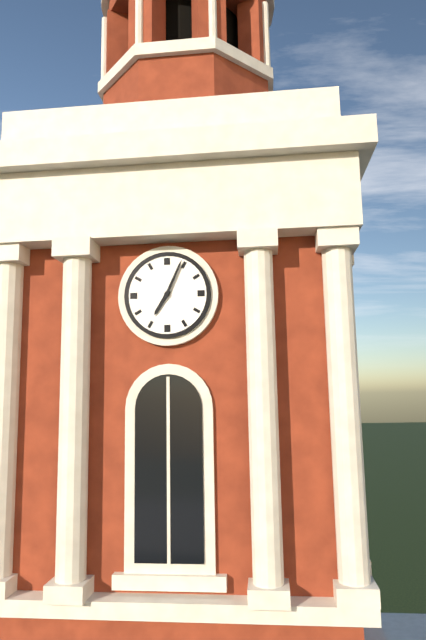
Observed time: **7:04**
